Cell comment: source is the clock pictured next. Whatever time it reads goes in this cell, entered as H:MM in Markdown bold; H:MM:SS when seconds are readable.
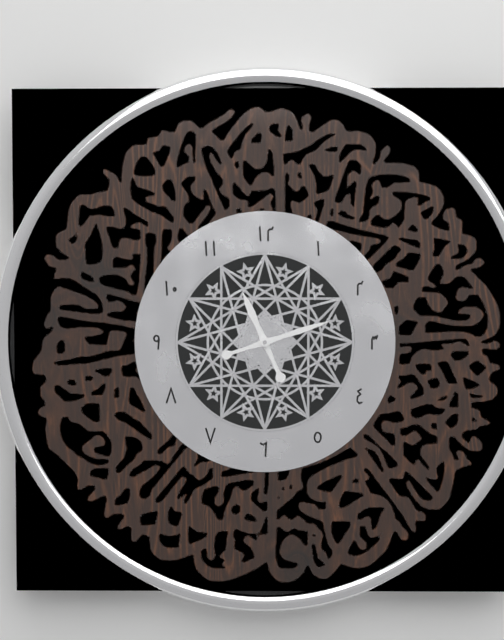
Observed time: **11:12**
